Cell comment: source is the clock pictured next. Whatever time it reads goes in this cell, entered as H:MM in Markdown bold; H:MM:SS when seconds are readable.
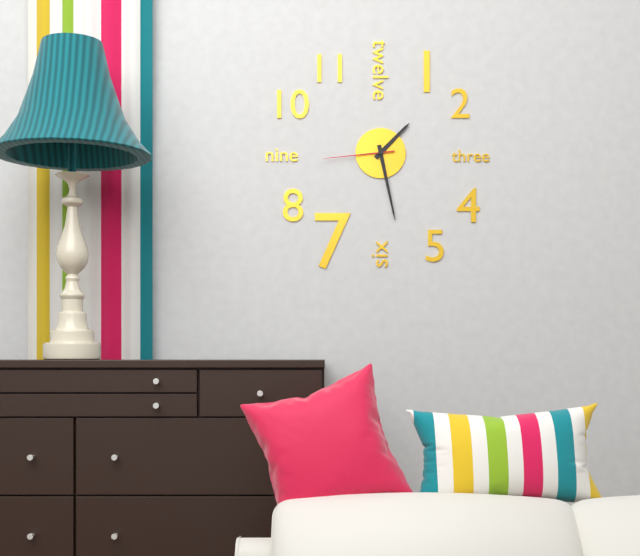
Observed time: **1:28:44**
